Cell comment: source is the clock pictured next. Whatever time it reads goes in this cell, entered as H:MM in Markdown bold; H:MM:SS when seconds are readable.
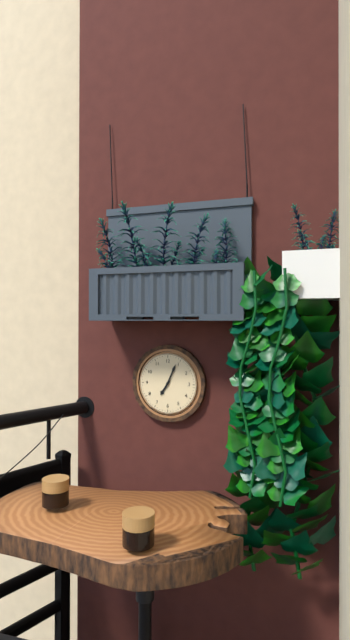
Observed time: **7:04**
